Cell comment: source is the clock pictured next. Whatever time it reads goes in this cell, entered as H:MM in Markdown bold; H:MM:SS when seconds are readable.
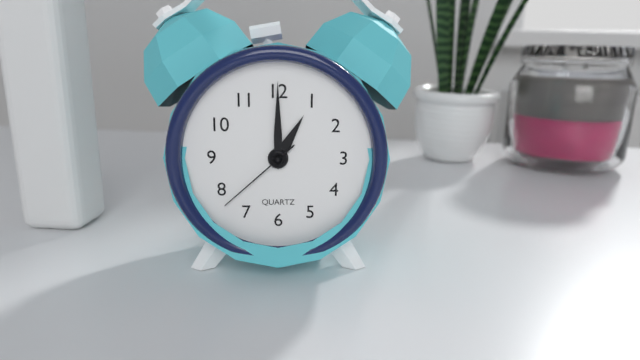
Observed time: **1:00:38**
